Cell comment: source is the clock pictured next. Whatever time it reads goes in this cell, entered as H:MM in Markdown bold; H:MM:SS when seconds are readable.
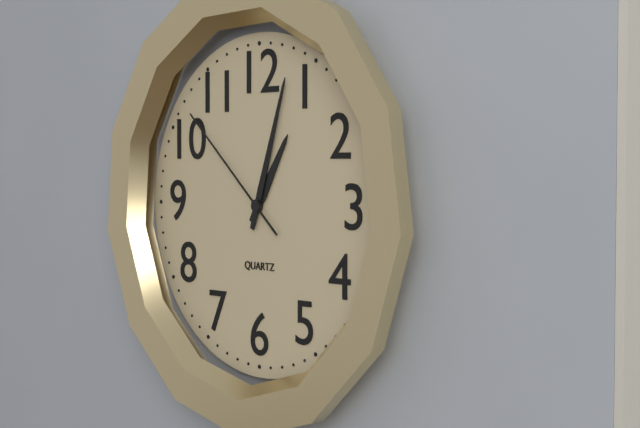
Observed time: **1:03:52**
